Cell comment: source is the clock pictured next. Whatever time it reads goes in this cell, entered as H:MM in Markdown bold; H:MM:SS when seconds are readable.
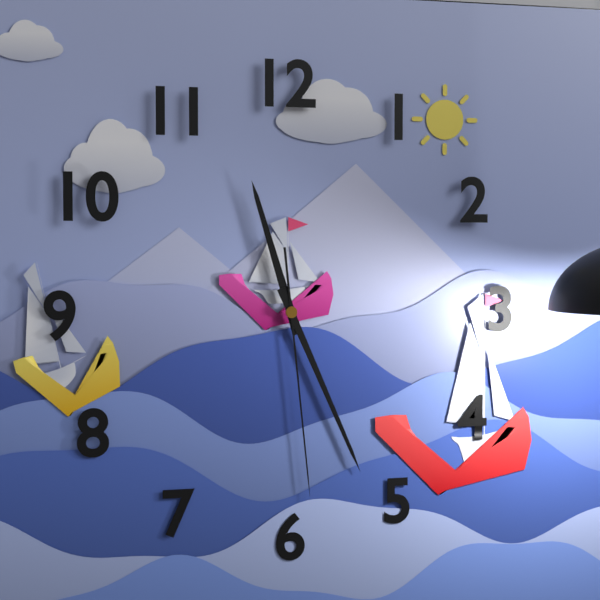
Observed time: **11:26:29**
